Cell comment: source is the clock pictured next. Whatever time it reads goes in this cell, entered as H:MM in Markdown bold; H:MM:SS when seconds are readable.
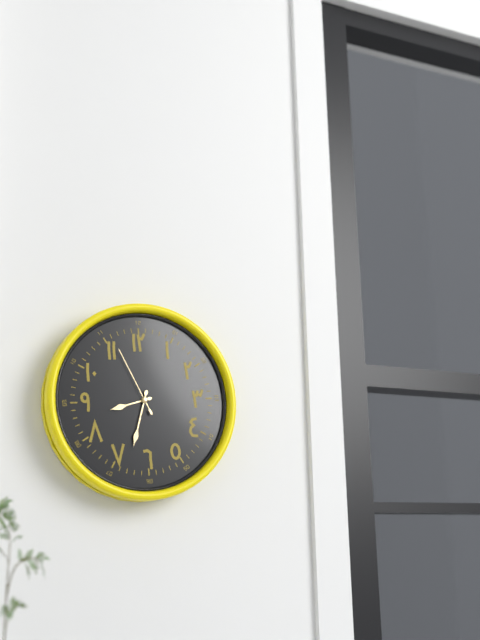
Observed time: **8:33:56**
